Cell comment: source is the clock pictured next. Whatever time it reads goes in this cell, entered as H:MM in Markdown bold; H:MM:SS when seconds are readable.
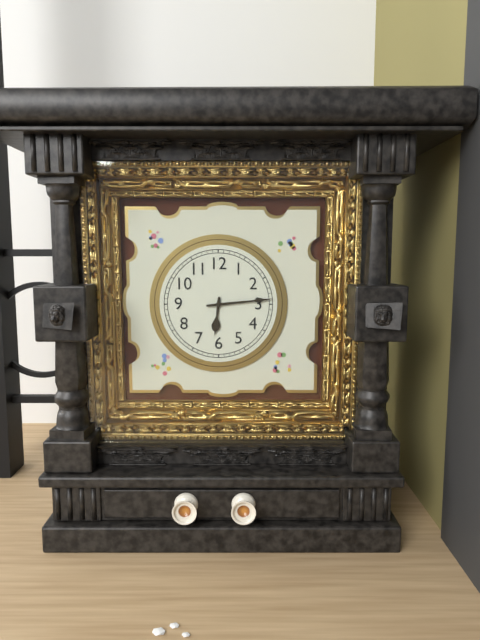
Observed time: **6:14**
